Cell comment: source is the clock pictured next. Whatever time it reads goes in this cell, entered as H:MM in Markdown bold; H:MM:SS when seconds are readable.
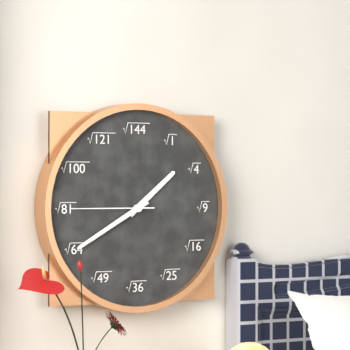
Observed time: **1:40:45**
